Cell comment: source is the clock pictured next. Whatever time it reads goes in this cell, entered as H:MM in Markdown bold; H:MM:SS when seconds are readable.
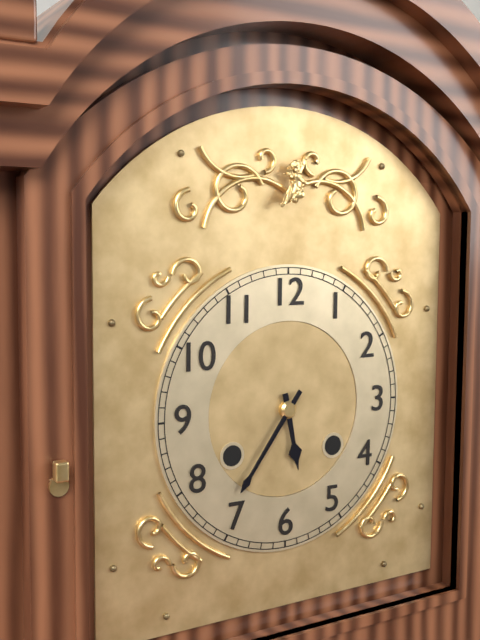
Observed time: **5:36**
